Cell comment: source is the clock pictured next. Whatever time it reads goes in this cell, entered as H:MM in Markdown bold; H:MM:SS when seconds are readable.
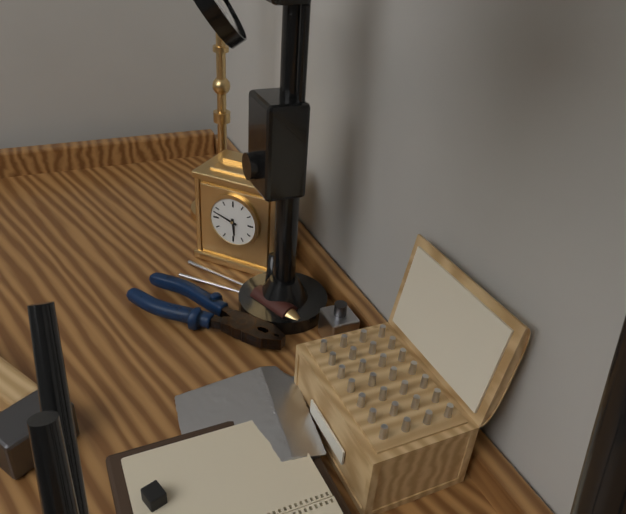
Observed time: **5:48**
